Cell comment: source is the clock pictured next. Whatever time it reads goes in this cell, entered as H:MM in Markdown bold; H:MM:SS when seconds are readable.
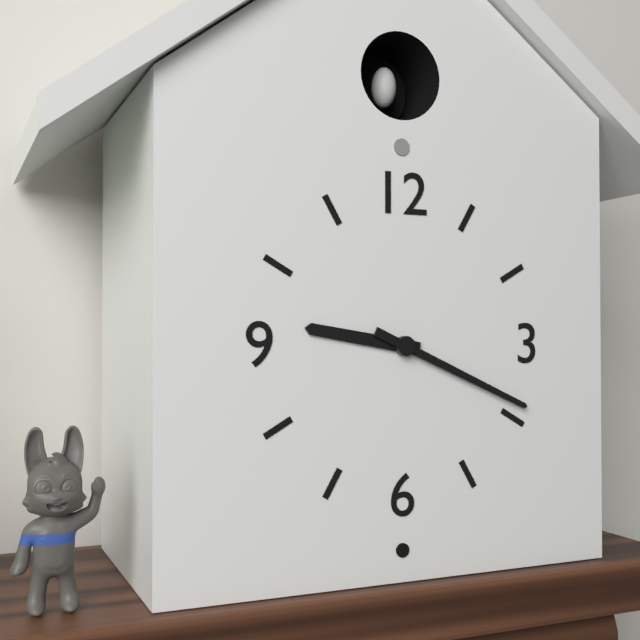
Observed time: **9:19**
